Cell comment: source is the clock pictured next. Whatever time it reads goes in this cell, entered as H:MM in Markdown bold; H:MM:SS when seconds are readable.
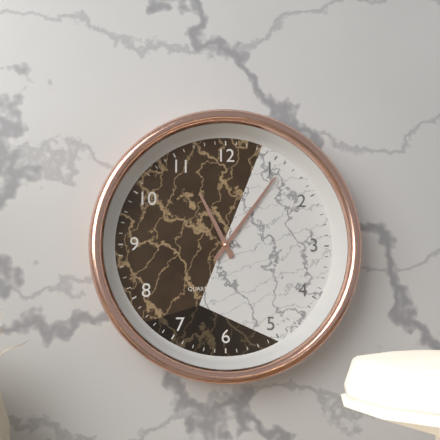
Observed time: **11:06**
